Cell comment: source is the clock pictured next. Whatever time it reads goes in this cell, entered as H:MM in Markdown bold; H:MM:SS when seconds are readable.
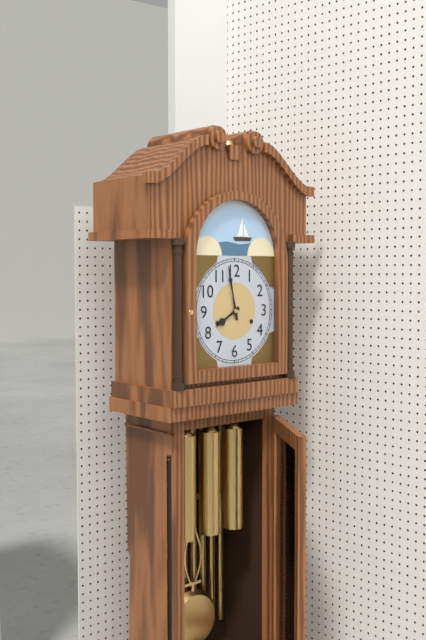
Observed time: **7:58**
